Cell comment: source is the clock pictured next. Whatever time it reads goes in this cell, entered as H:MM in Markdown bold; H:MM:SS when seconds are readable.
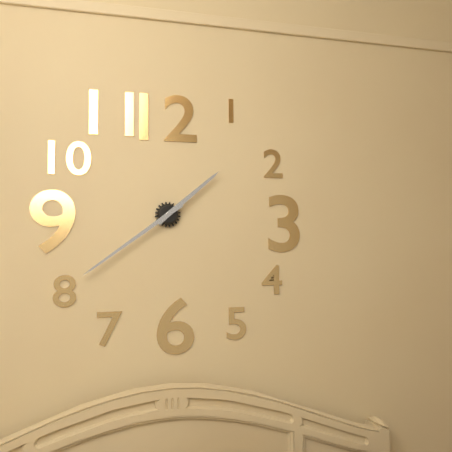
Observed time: **1:39**
